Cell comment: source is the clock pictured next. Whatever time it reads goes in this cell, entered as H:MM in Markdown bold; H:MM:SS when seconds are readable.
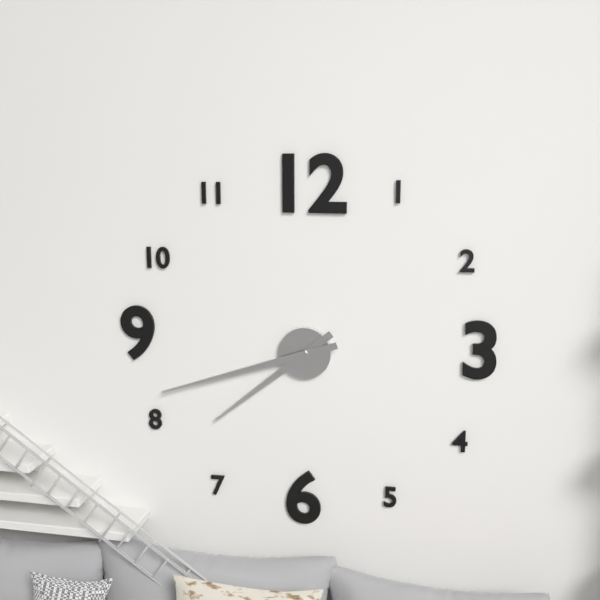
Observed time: **7:42**
